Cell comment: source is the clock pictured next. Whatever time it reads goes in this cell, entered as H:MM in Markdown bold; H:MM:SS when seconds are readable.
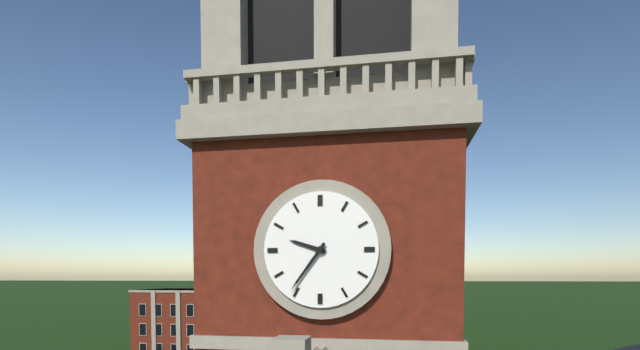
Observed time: **9:36**
